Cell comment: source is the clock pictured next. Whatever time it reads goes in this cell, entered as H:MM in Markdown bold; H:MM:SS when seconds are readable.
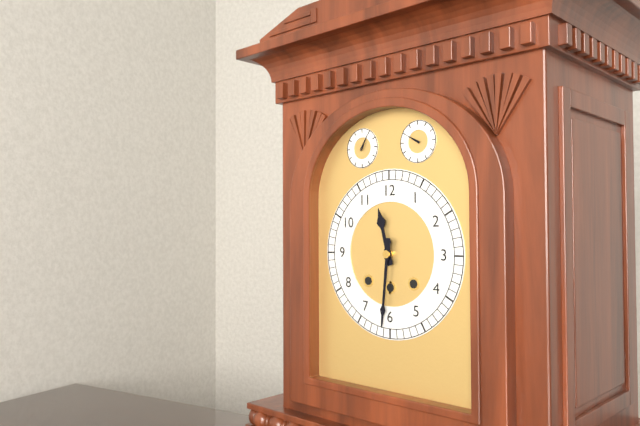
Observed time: **11:31**
